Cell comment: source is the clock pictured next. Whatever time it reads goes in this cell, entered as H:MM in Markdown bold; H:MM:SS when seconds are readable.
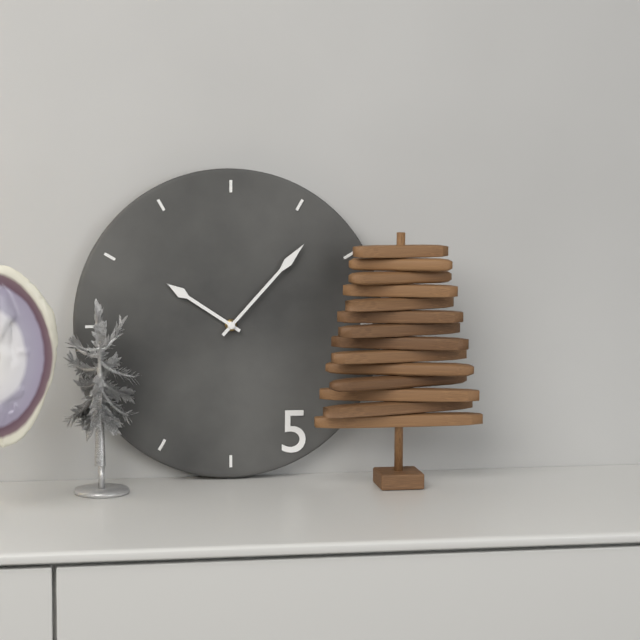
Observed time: **10:07**
